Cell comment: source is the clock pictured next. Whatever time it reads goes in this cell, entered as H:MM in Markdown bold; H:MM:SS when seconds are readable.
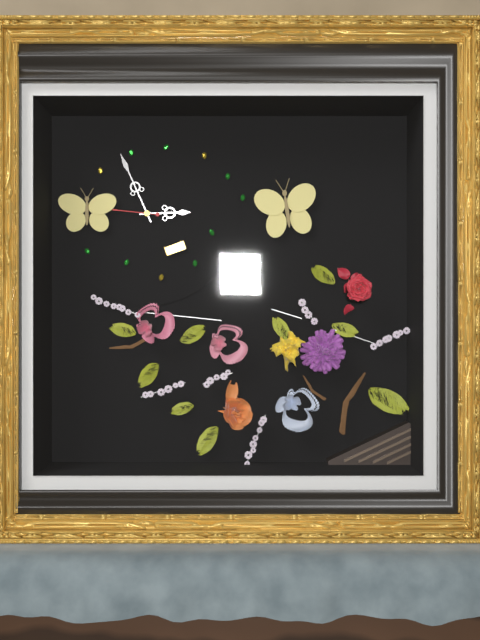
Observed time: **2:56:46**
